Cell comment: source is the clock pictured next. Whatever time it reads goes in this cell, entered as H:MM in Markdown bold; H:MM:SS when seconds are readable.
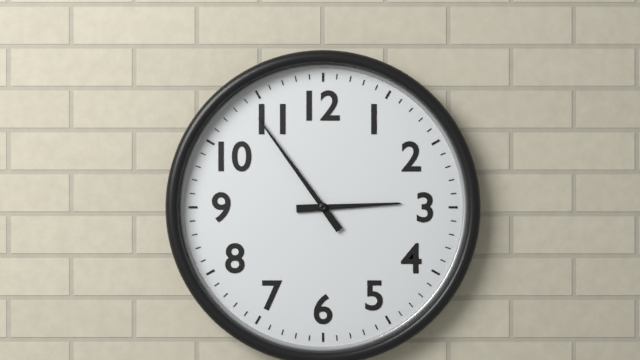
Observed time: **2:54**
